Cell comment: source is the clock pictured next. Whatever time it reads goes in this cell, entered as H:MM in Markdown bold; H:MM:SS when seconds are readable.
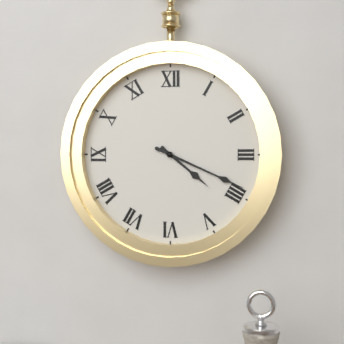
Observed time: **4:19**
